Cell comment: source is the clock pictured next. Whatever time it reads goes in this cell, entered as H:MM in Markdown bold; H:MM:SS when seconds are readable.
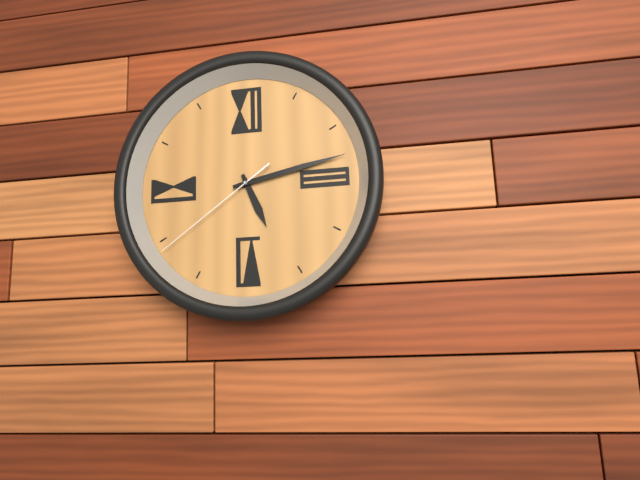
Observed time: **5:13:39**
